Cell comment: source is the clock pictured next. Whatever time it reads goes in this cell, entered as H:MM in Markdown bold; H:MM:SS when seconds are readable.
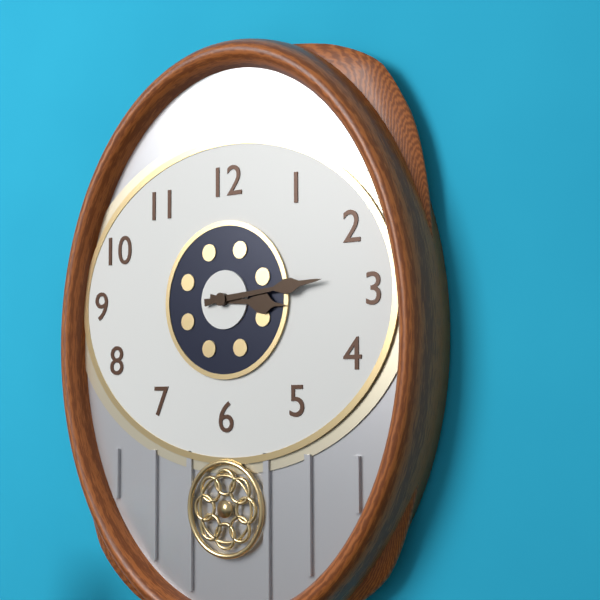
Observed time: **3:14**
